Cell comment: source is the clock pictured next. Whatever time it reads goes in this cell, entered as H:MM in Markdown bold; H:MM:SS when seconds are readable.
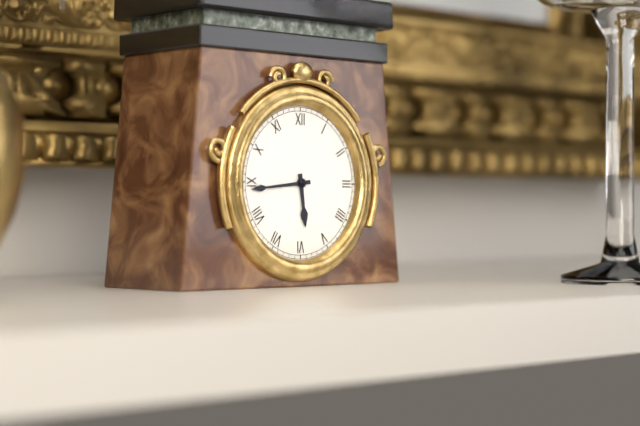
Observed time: **5:44**
